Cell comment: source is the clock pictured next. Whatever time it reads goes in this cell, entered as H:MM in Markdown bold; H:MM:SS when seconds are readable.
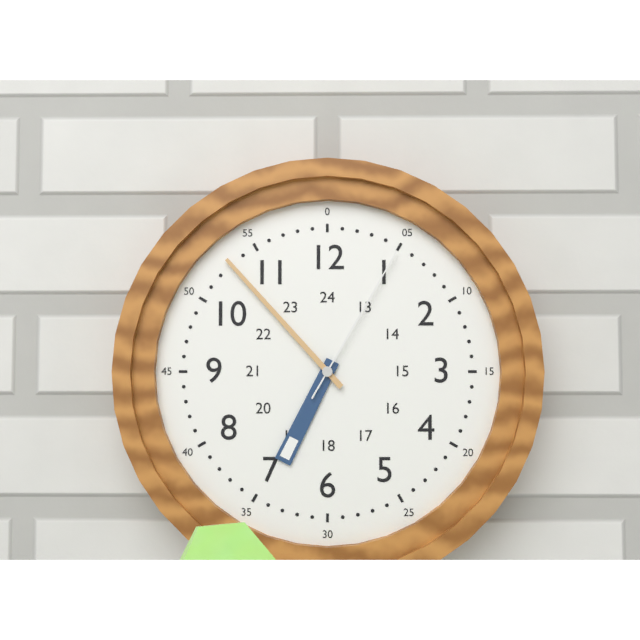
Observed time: **6:53:05**
